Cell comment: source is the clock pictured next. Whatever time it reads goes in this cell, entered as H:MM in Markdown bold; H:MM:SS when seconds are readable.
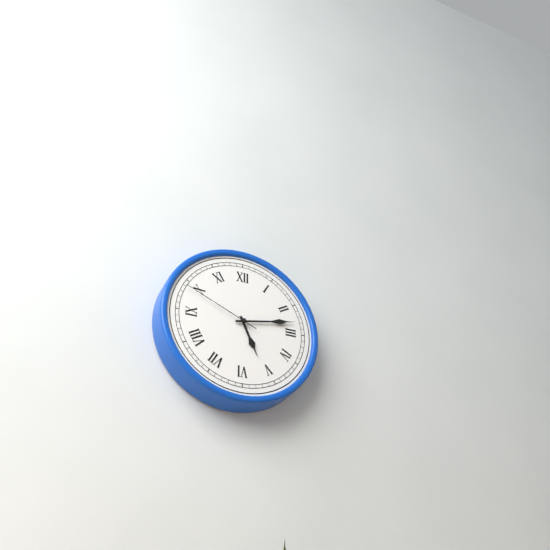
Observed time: **5:13:49**
